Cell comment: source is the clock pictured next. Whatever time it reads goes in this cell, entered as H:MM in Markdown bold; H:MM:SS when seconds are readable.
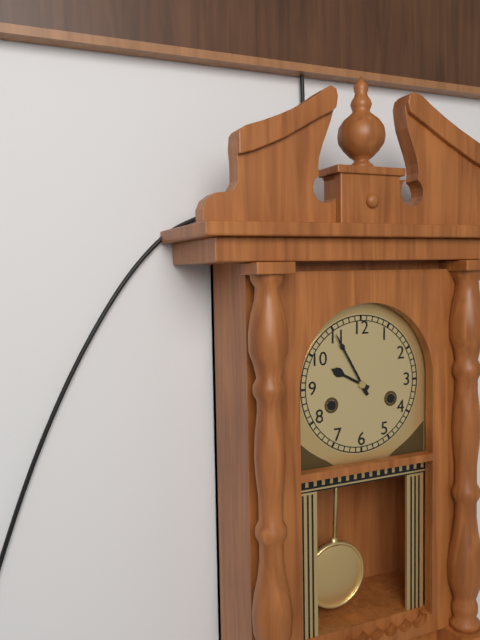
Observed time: **9:55**
